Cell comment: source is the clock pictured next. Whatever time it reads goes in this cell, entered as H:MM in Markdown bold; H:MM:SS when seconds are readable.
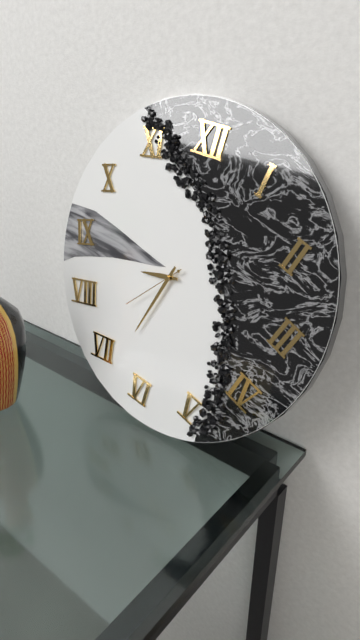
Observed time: **8:33:37**
